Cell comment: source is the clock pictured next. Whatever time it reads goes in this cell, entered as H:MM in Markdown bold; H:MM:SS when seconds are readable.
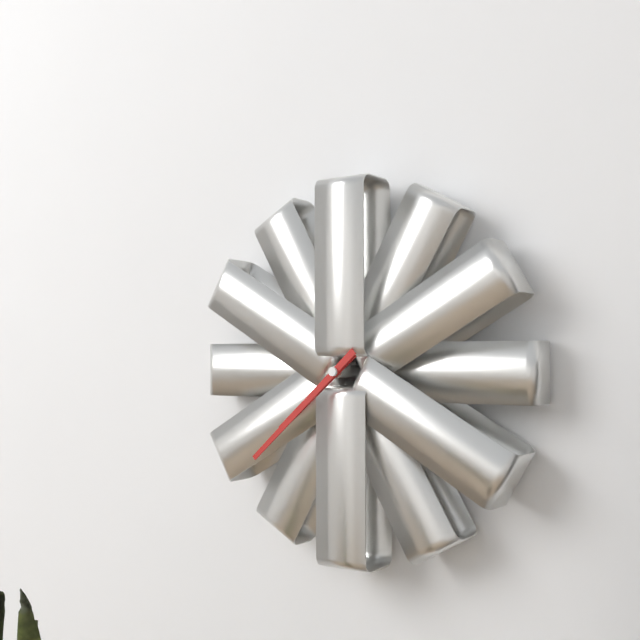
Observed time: **7:38**
